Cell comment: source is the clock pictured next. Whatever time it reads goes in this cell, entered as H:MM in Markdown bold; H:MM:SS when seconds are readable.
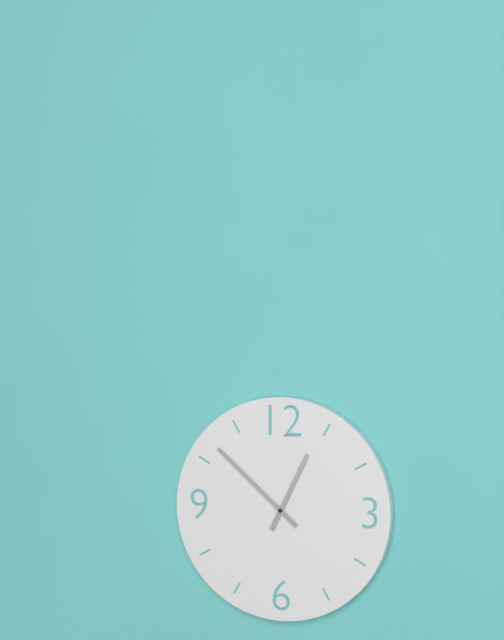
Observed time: **12:52**
